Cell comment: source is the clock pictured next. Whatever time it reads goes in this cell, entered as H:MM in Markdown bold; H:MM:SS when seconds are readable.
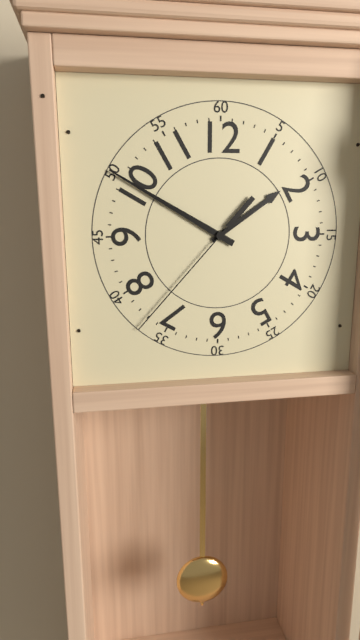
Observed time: **1:50:37**
